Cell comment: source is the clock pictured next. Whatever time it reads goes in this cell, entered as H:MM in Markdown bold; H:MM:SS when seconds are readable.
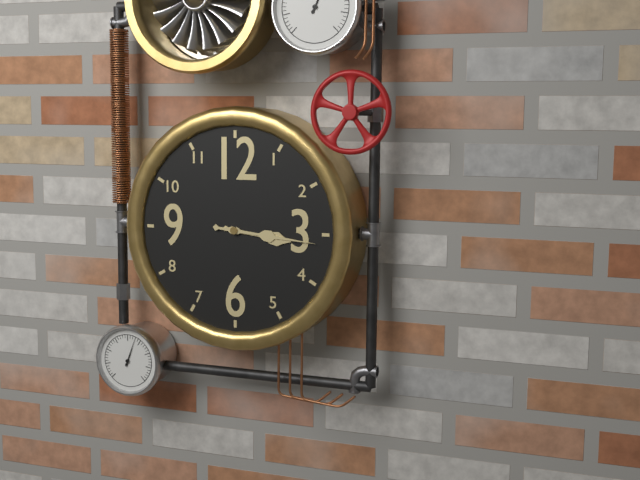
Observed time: **3:16**
